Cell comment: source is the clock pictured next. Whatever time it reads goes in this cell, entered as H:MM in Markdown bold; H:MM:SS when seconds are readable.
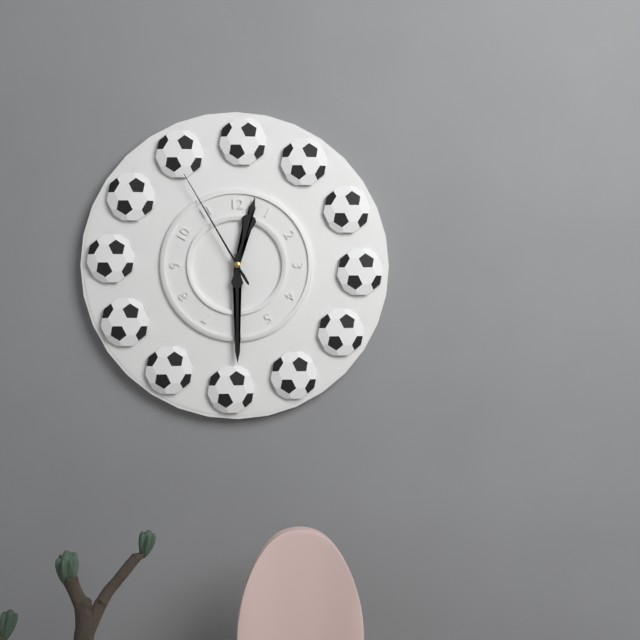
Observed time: **12:30:55**
